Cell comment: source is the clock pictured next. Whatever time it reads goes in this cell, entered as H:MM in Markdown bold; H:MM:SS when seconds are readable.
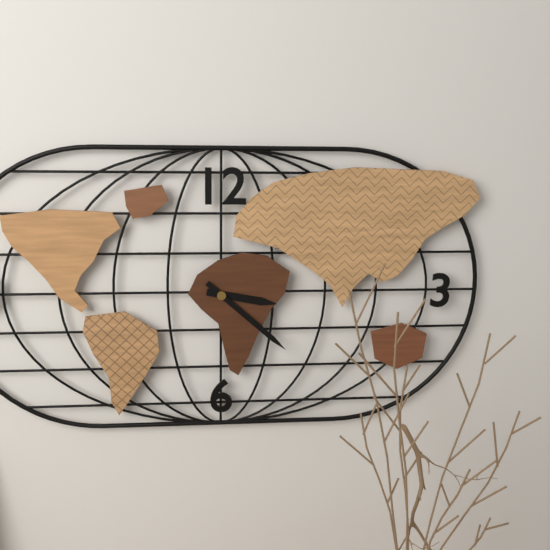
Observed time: **3:22**
